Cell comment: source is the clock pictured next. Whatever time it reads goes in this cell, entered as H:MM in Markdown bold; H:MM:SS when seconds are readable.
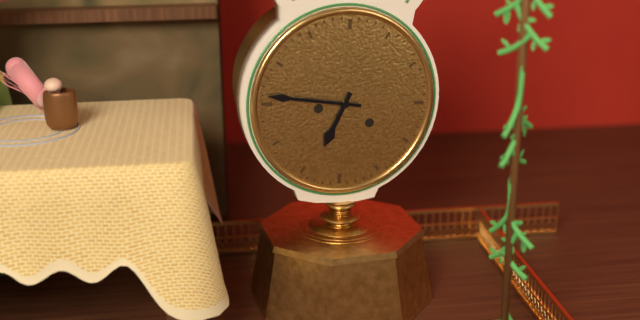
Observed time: **6:46**
